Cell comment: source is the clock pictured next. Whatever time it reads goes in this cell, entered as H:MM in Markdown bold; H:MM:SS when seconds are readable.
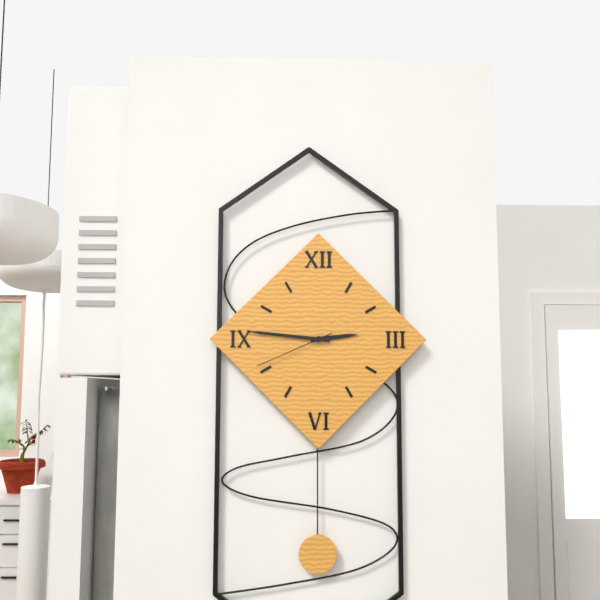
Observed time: **2:46:41**
